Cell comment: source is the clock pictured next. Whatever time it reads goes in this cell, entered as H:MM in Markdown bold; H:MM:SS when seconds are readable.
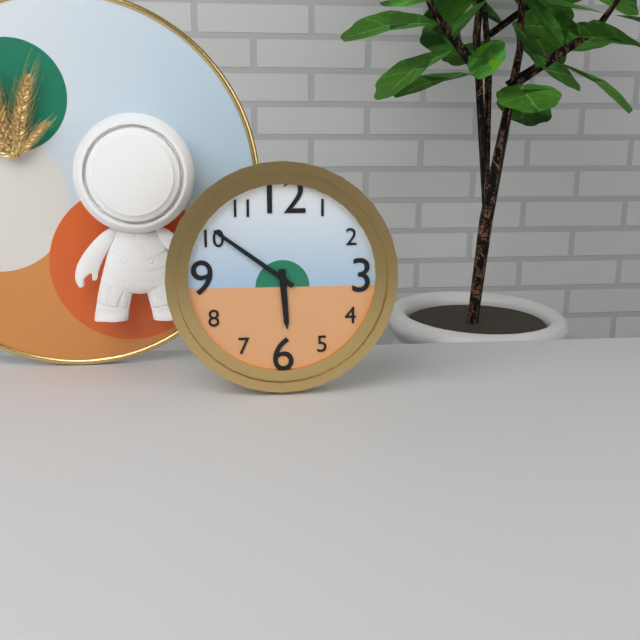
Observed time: **5:51**
